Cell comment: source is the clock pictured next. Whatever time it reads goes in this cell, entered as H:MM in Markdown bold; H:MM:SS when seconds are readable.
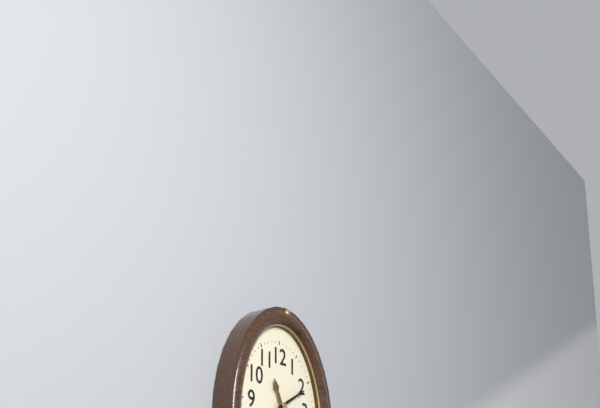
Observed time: **11:10**
